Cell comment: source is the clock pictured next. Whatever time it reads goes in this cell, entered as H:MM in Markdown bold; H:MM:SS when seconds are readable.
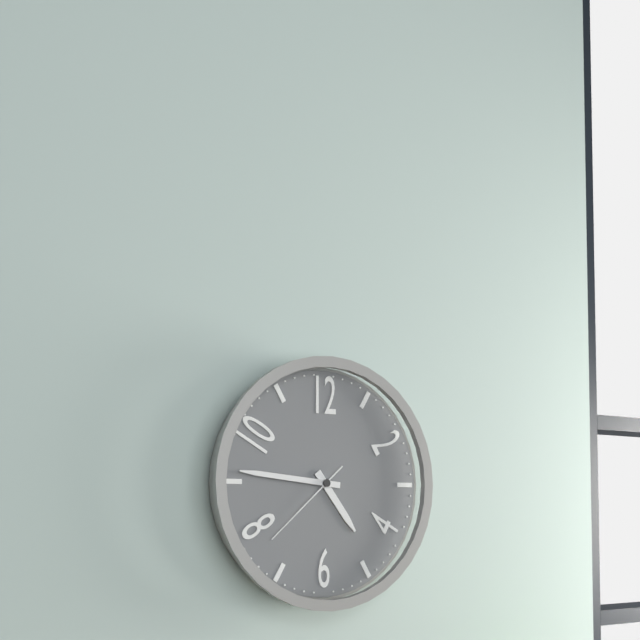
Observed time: **4:46:38**
